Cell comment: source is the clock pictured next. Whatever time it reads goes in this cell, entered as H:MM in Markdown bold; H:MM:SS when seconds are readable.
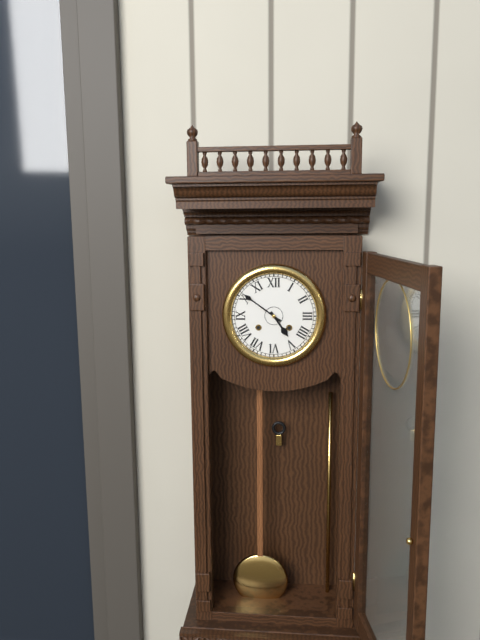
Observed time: **4:51**
